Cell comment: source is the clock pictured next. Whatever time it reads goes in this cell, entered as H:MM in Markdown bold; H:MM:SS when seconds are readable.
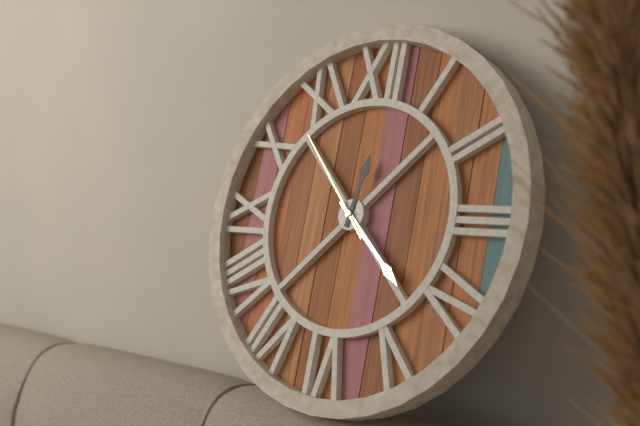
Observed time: **12:22:53**
